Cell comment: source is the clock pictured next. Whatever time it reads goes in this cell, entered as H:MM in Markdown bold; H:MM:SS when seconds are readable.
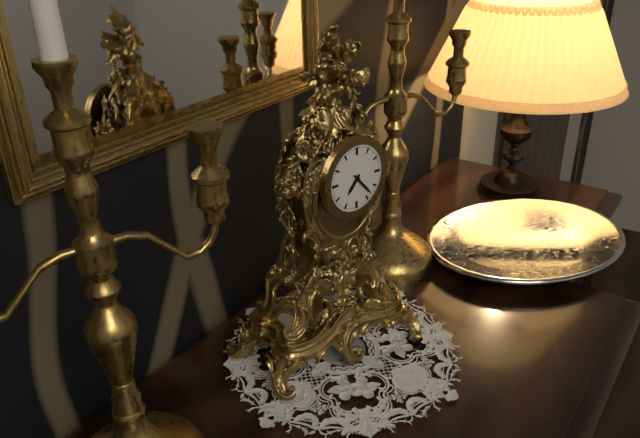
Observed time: **7:23**
